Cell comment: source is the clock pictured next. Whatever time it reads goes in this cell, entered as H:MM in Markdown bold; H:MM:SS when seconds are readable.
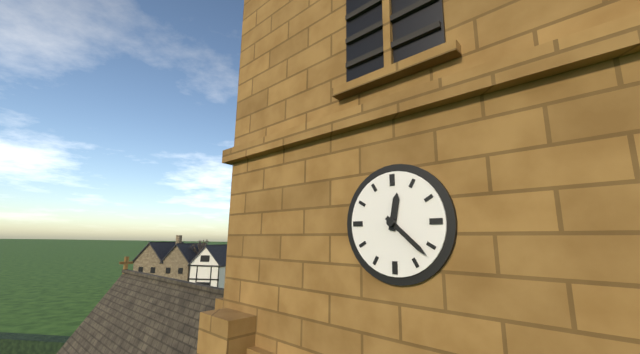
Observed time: **12:22**
